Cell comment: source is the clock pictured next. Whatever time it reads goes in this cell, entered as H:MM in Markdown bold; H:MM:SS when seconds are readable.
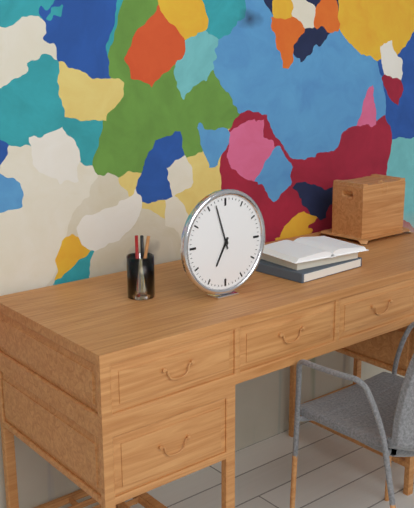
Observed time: **6:57**
